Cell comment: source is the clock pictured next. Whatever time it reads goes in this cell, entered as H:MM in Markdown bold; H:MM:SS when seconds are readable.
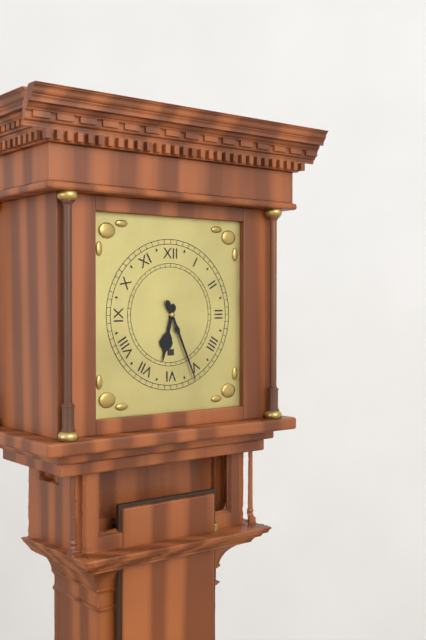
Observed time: **6:26**
